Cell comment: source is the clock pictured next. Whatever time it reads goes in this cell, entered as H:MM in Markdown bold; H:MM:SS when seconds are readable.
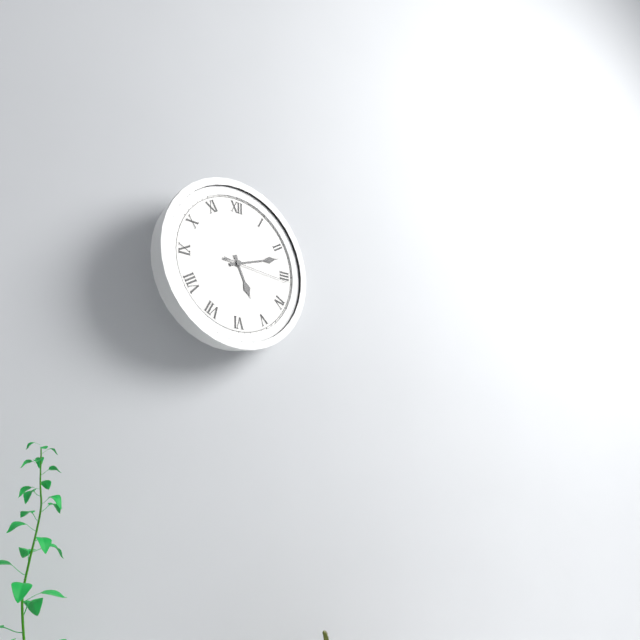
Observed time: **5:12:16**
